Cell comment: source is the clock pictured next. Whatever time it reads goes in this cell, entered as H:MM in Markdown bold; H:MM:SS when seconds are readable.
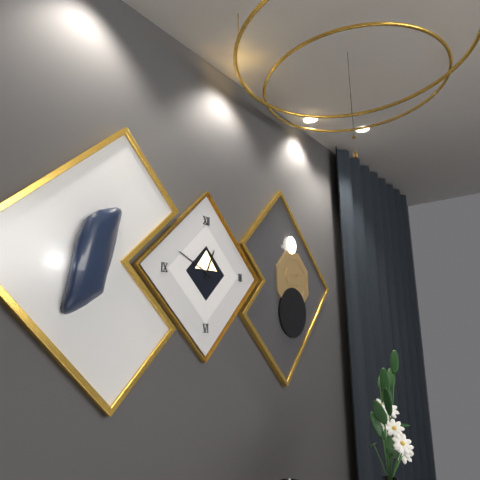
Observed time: **12:49**
